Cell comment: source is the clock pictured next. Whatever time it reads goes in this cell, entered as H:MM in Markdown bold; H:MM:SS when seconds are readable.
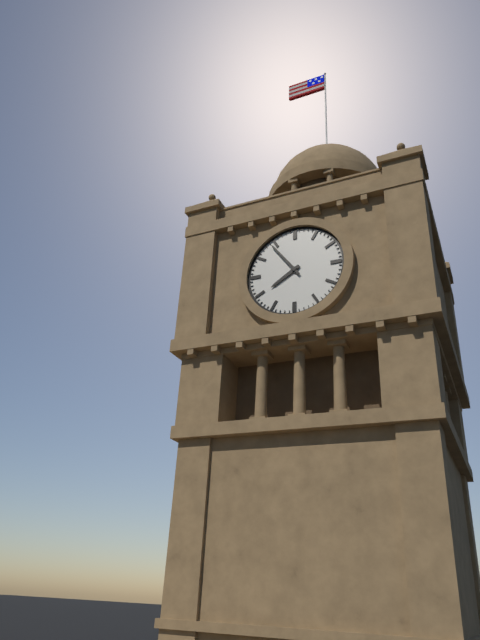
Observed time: **7:54**
